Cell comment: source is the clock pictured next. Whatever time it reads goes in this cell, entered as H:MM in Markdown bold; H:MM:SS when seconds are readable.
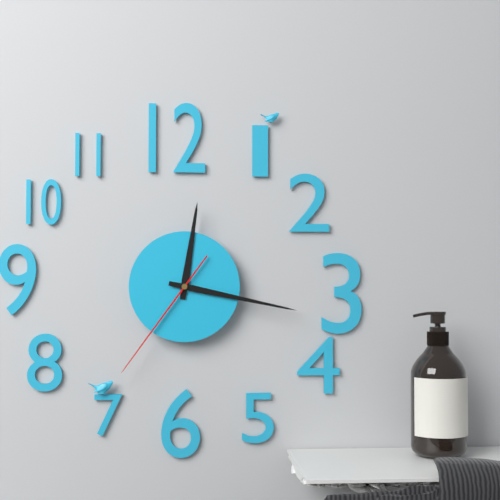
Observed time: **12:17:36**
